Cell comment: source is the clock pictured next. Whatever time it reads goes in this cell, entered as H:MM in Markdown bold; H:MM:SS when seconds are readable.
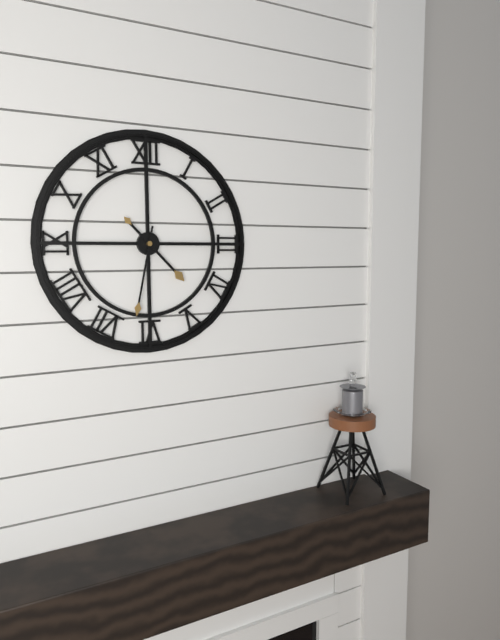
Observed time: **4:32**
